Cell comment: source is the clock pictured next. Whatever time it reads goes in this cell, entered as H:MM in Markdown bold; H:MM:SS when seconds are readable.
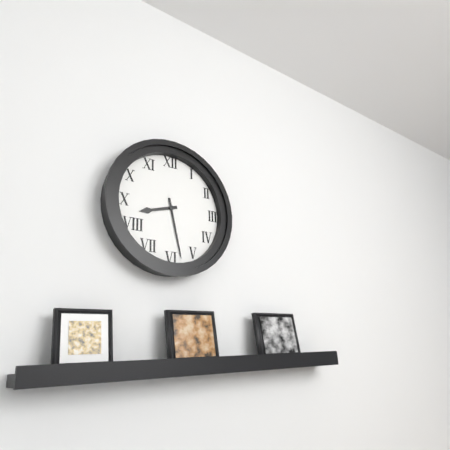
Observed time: **8:28**
